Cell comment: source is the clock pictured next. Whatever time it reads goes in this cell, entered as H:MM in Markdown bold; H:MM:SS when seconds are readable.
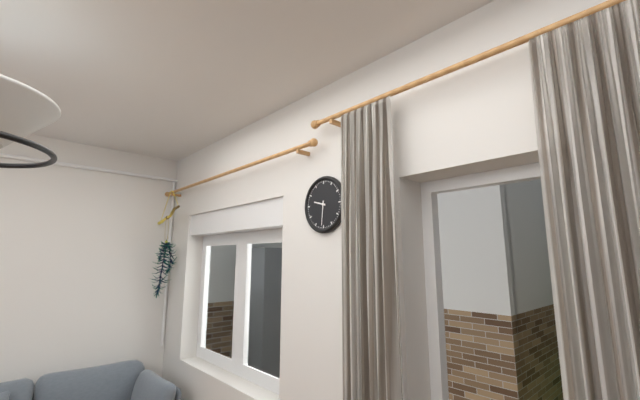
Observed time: **9:31**
